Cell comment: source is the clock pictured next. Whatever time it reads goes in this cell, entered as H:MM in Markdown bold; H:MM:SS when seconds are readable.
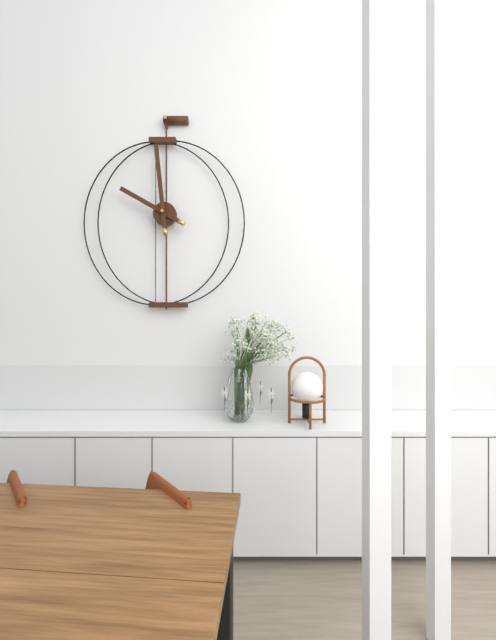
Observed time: **9:59**
